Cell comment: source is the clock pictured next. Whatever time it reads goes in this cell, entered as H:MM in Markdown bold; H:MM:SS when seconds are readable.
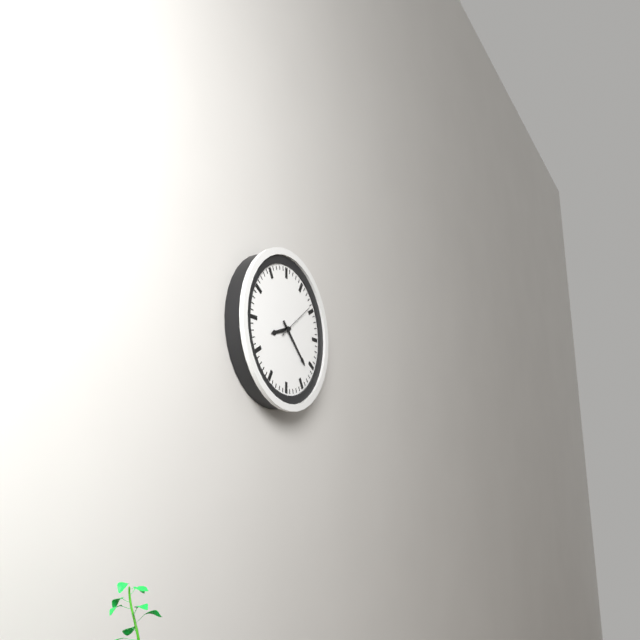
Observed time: **8:22**
